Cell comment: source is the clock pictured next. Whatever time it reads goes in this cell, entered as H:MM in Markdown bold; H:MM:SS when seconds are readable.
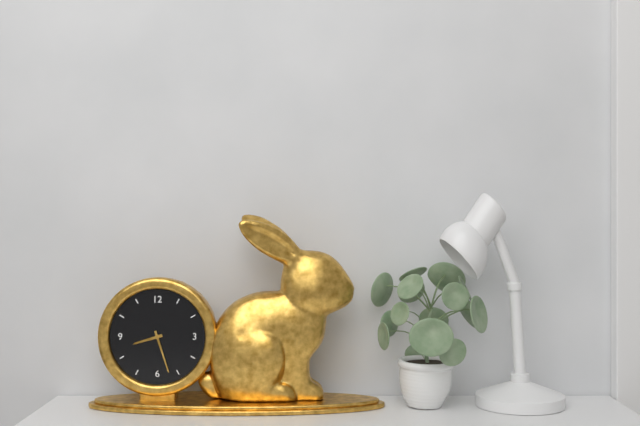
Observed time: **8:27**
